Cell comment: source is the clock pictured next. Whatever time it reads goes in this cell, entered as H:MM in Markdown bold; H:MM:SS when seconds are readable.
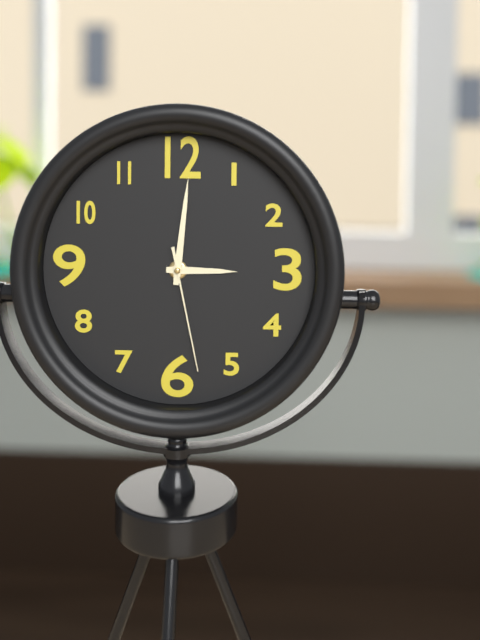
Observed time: **3:01:28**
